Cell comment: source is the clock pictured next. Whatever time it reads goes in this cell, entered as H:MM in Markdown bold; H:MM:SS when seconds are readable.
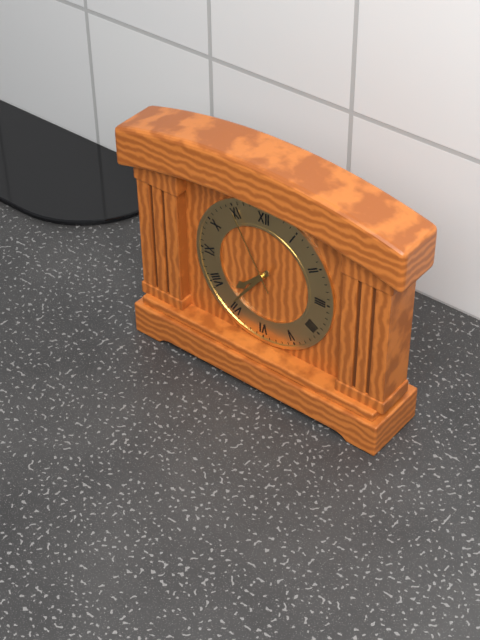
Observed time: **7:36:55**
